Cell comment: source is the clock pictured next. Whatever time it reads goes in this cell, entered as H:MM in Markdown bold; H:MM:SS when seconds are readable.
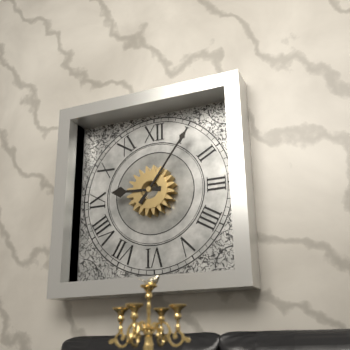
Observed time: **9:06**
